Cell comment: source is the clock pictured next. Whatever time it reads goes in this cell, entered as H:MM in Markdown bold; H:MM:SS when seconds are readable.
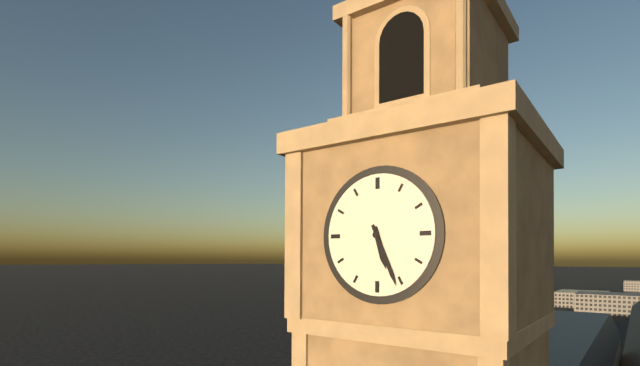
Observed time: **5:26**
